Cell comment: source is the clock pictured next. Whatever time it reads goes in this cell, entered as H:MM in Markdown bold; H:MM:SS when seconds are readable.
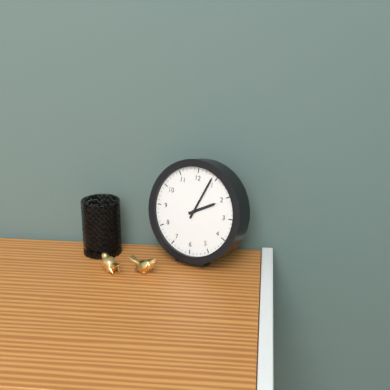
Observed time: **2:04**
